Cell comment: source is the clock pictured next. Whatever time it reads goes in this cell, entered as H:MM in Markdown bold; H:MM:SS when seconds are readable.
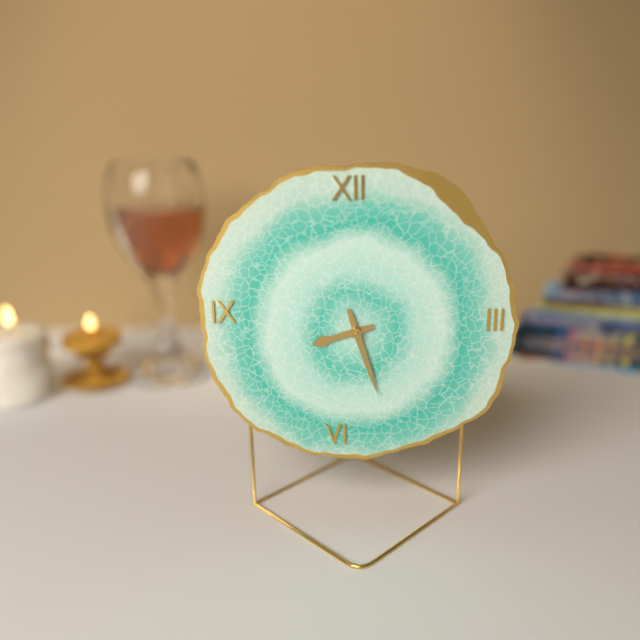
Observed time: **8:27**
